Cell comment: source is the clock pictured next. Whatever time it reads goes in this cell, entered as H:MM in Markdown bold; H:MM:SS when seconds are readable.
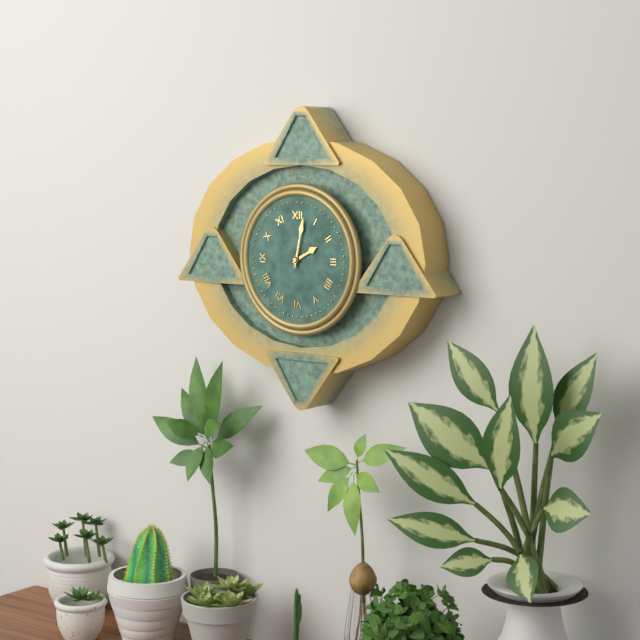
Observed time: **2:02**
